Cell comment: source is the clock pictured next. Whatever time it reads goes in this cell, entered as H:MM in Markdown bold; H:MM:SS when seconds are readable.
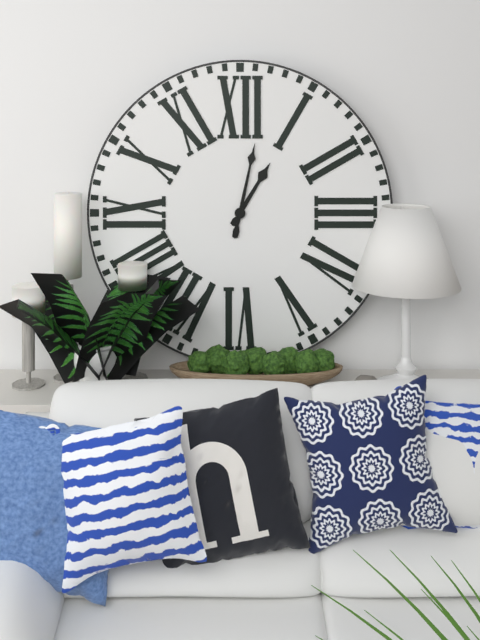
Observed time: **1:02**
